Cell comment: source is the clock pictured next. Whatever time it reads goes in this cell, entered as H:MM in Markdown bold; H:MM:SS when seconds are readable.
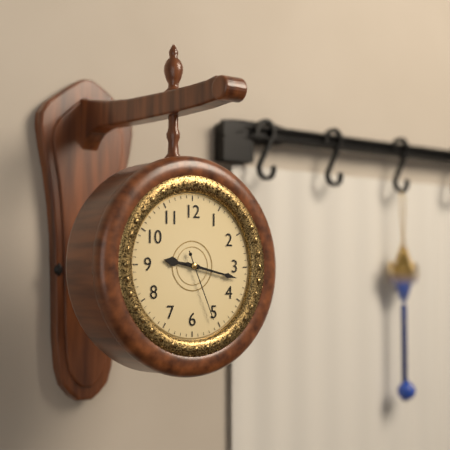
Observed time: **9:17:26**
